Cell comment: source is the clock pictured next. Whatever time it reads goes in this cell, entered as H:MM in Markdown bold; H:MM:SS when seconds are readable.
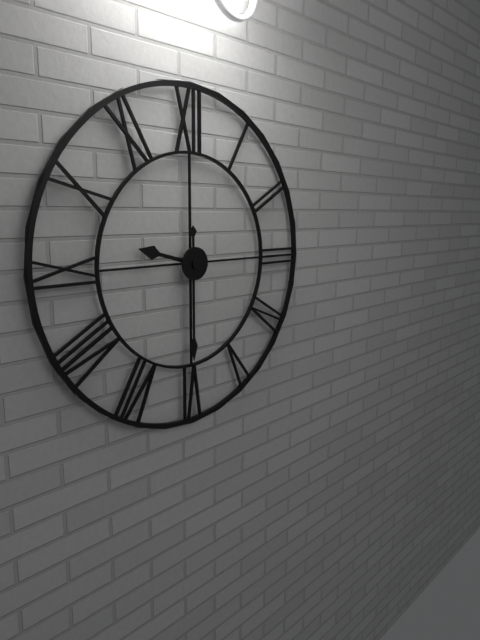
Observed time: **9:30**
